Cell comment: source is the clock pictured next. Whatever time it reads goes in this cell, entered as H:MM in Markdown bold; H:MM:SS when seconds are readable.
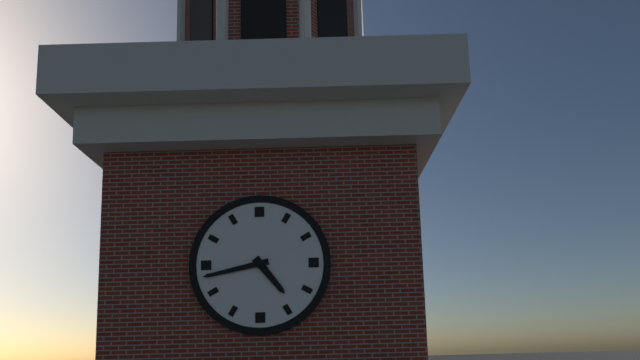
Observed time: **4:43**
